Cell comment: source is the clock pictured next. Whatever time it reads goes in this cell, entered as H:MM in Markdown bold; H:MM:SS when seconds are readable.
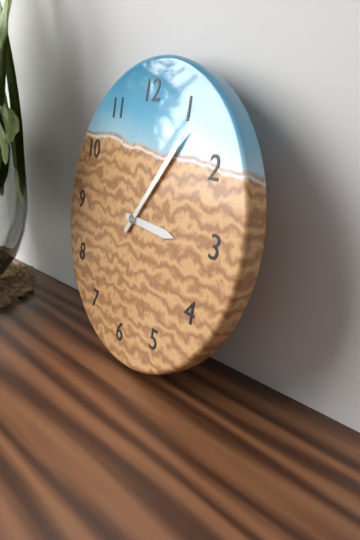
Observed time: **3:06**
